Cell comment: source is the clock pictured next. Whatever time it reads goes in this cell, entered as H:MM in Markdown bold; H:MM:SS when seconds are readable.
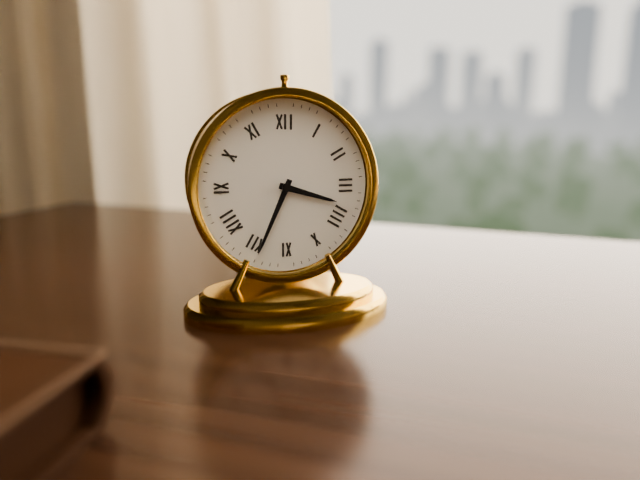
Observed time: **3:34**
